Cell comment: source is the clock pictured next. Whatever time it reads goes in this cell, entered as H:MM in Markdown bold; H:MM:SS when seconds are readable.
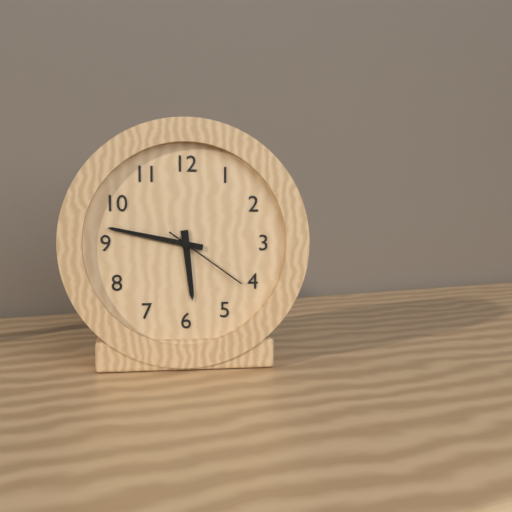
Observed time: **5:47:21**
